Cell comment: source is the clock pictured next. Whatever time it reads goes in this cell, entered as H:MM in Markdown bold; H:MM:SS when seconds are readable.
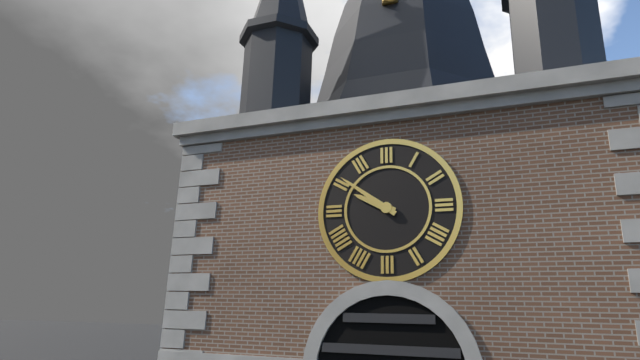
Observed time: **9:51**
